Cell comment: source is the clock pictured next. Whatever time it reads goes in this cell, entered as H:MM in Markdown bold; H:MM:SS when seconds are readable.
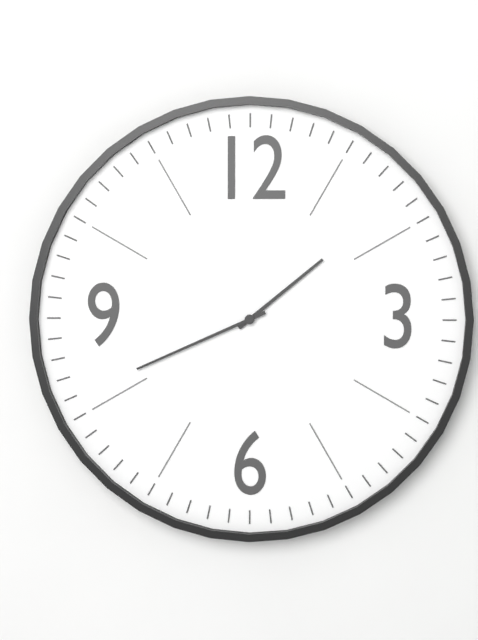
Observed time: **1:41**
